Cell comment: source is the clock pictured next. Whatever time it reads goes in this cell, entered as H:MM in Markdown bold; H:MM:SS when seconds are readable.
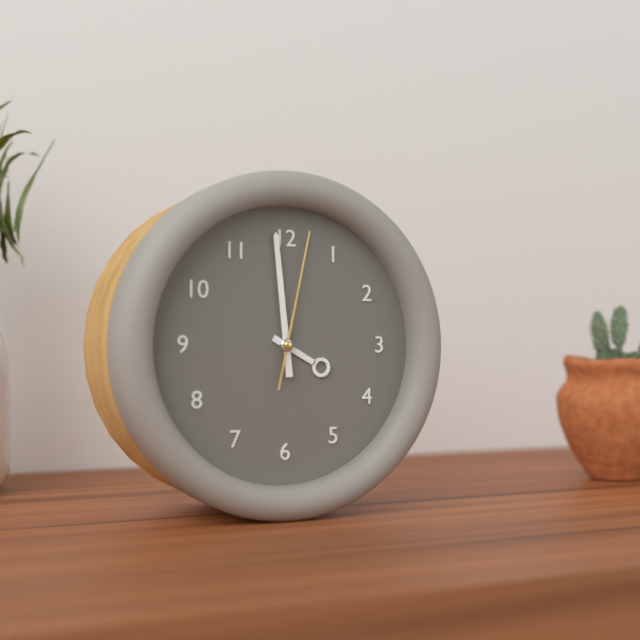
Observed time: **3:59:02**
